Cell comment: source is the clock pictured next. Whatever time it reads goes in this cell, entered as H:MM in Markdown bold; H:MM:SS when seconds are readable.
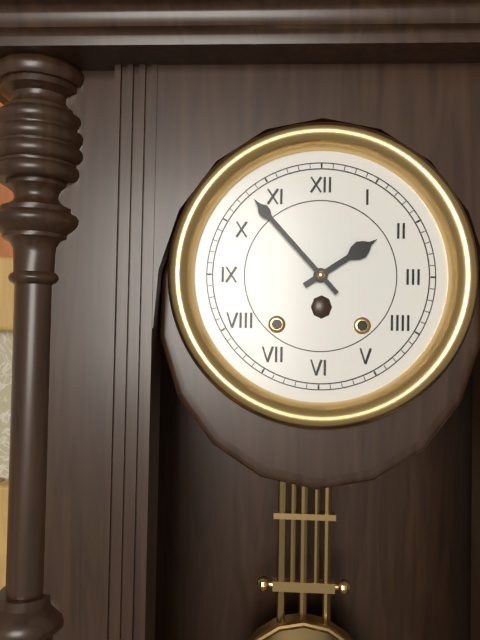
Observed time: **1:53**
